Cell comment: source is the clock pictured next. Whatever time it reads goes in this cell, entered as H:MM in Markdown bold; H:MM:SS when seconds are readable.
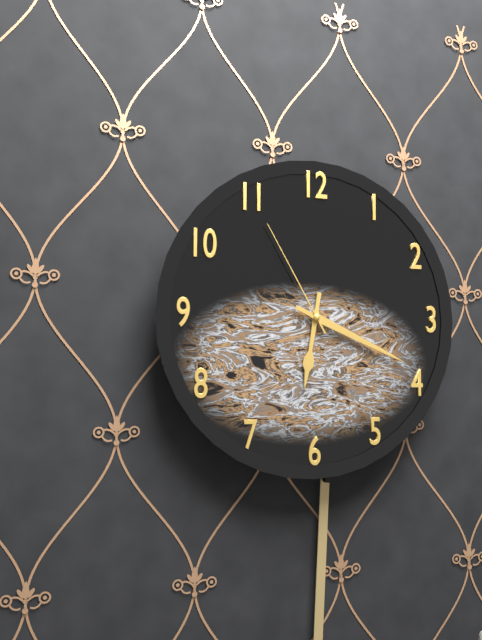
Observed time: **6:19:55**
